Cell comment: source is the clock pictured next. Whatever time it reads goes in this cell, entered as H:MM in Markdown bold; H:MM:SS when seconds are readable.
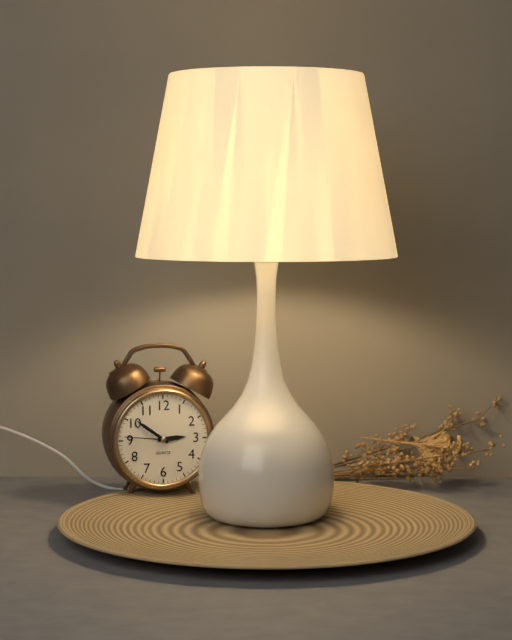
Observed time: **2:51**
